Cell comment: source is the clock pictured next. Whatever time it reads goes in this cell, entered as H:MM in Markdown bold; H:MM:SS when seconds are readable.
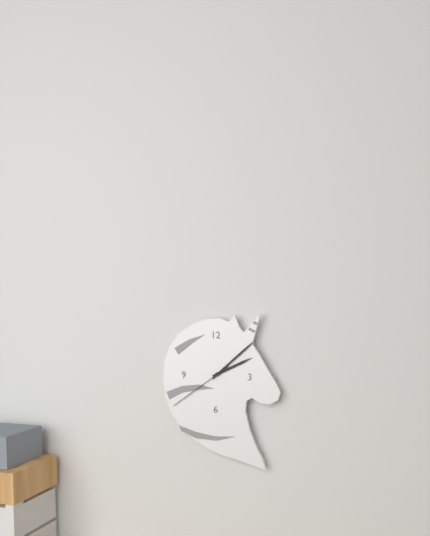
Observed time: **2:08:39**
